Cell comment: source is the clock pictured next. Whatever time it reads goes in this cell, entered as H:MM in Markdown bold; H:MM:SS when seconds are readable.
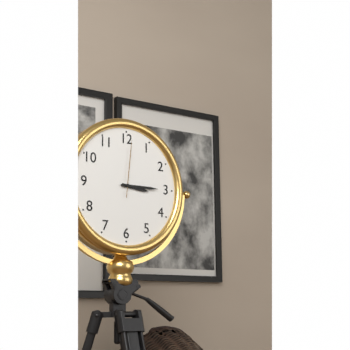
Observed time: **3:15:01**
